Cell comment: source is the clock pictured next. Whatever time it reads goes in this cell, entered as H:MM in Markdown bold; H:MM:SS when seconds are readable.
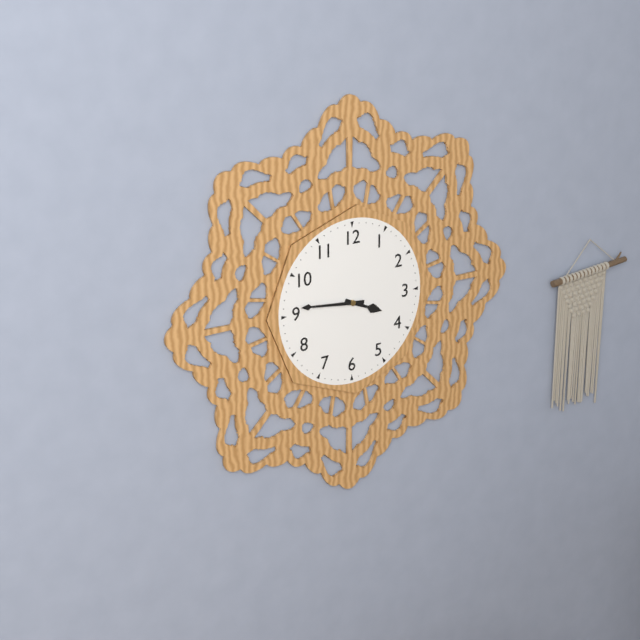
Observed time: **3:46**
